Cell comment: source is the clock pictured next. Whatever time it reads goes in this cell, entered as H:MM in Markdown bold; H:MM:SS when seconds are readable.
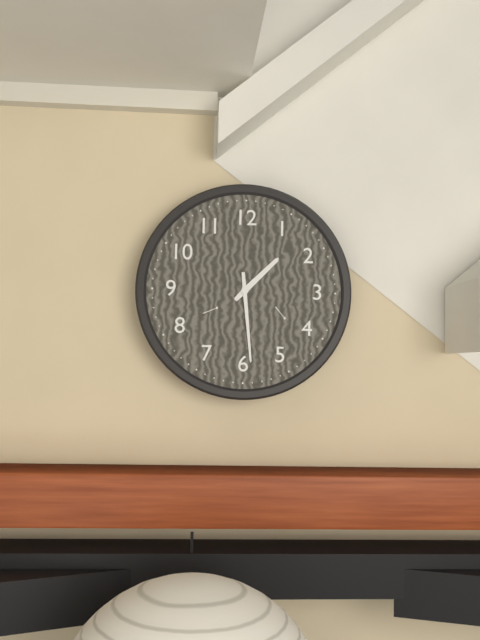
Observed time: **1:29**
